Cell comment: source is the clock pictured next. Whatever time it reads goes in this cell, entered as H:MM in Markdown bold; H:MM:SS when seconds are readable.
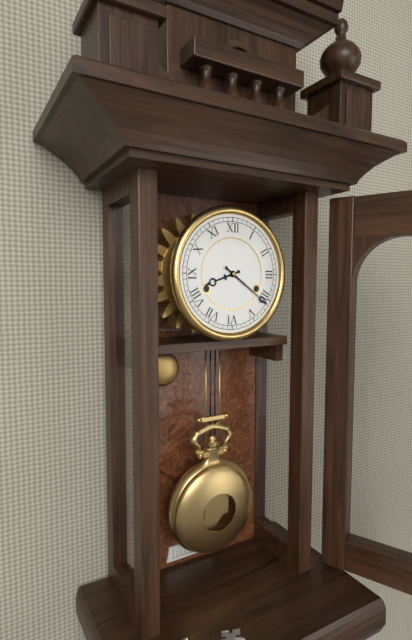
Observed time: **8:21**
